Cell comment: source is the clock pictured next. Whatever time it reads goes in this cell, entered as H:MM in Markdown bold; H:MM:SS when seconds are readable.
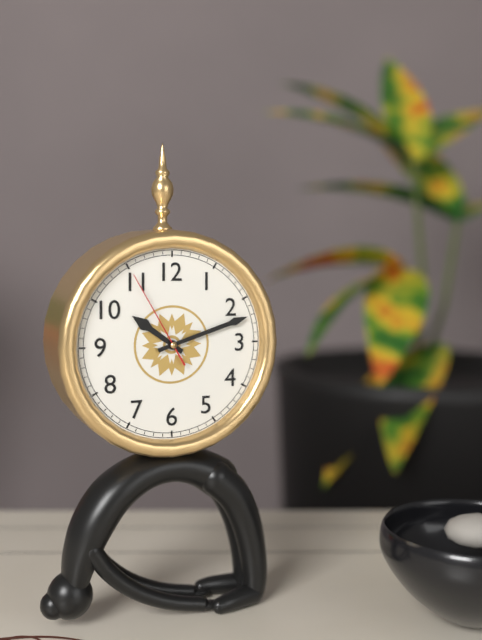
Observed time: **10:12:55**
